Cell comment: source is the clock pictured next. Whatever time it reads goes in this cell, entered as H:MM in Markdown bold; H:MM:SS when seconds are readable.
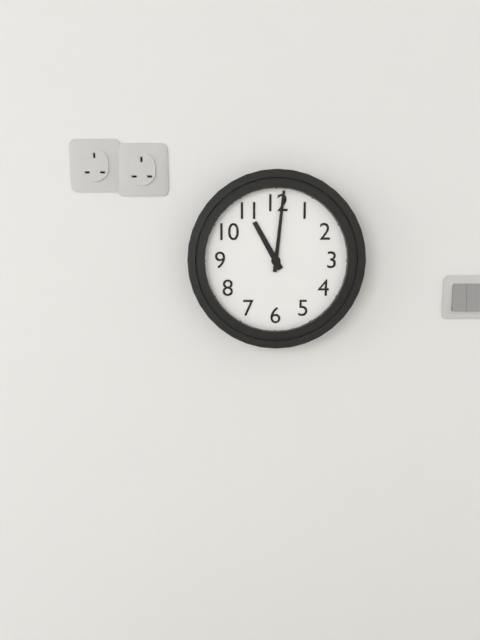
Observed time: **11:01**
